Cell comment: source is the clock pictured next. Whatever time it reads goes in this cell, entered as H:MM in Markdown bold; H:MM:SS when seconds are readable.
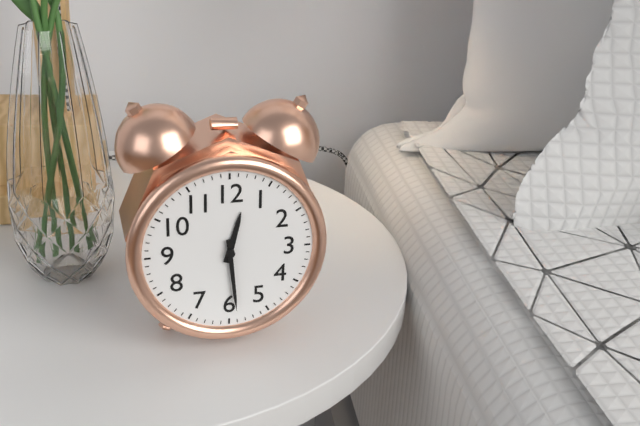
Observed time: **12:29**
